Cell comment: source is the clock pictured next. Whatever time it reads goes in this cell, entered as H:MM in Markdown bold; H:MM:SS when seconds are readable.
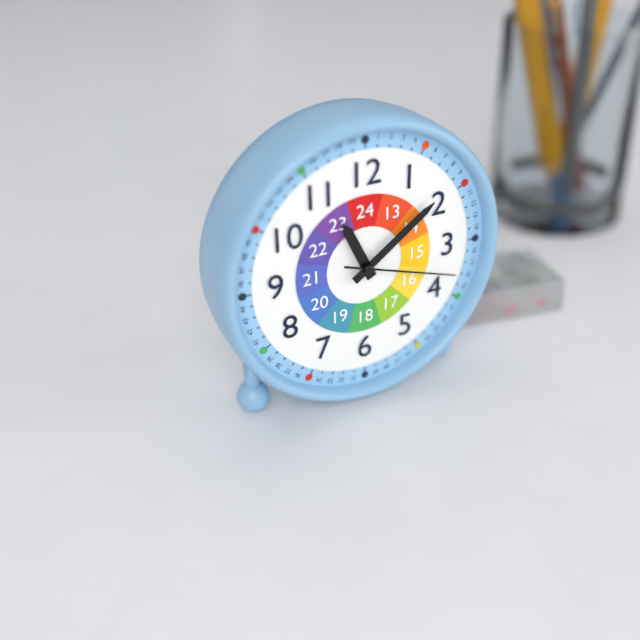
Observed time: **11:09:18**
